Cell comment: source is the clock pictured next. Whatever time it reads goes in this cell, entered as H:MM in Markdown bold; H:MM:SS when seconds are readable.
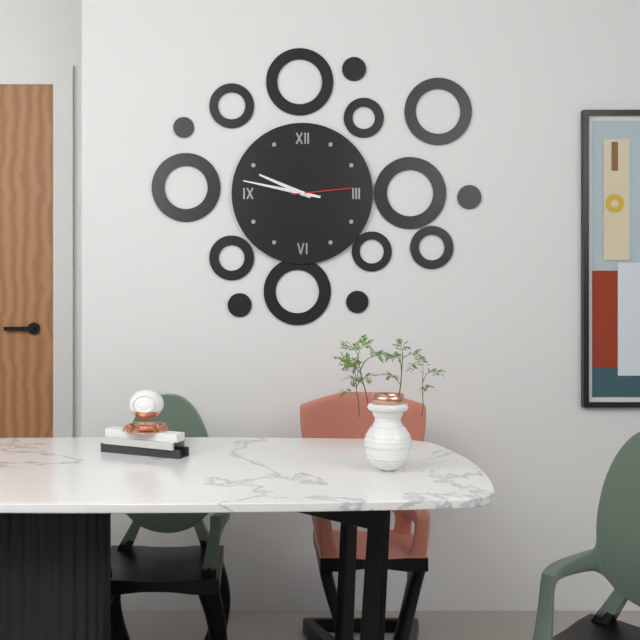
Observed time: **9:47:14**
